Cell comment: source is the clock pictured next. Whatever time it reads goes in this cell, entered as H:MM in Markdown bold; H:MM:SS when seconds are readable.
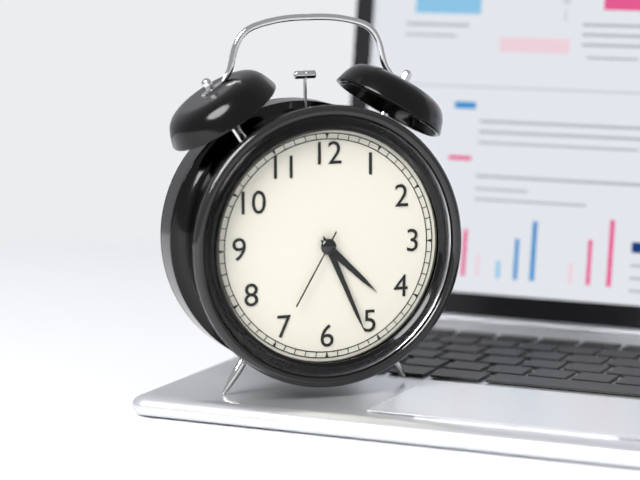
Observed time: **4:26:35**
